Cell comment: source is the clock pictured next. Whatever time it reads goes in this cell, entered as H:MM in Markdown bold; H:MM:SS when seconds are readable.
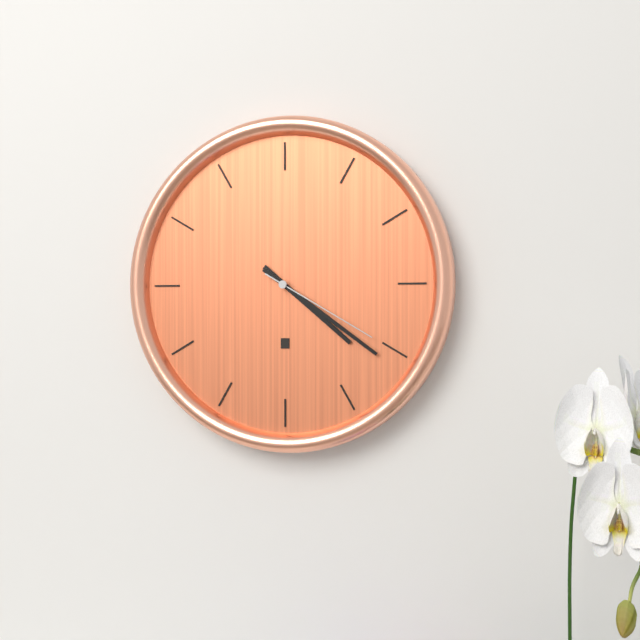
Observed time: **4:21:20**
